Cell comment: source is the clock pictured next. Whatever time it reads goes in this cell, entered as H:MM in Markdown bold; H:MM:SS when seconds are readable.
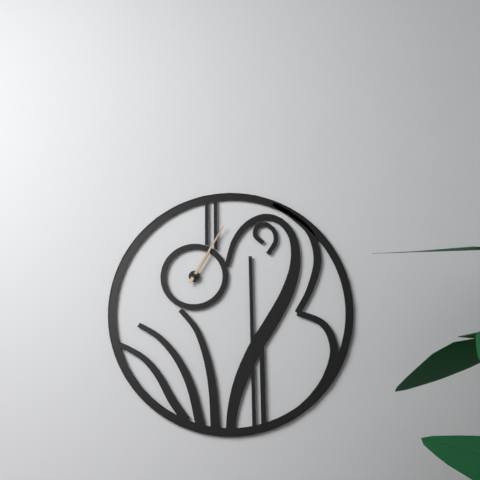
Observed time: **1:05**
